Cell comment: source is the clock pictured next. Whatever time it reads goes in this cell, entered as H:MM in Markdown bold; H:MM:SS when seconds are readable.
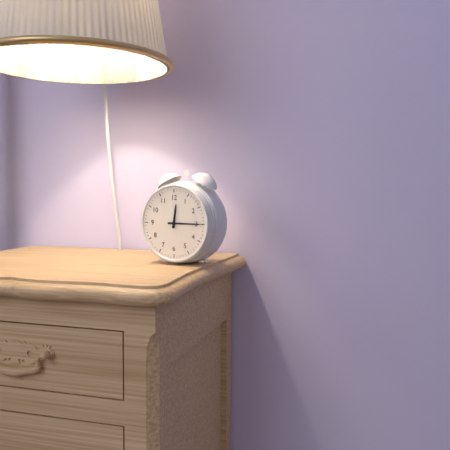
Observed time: **12:15**
